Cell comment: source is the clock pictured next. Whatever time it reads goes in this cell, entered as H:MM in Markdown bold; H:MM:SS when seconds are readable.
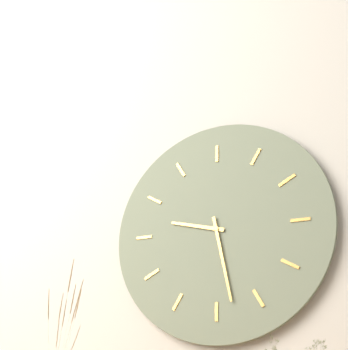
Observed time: **9:28**
